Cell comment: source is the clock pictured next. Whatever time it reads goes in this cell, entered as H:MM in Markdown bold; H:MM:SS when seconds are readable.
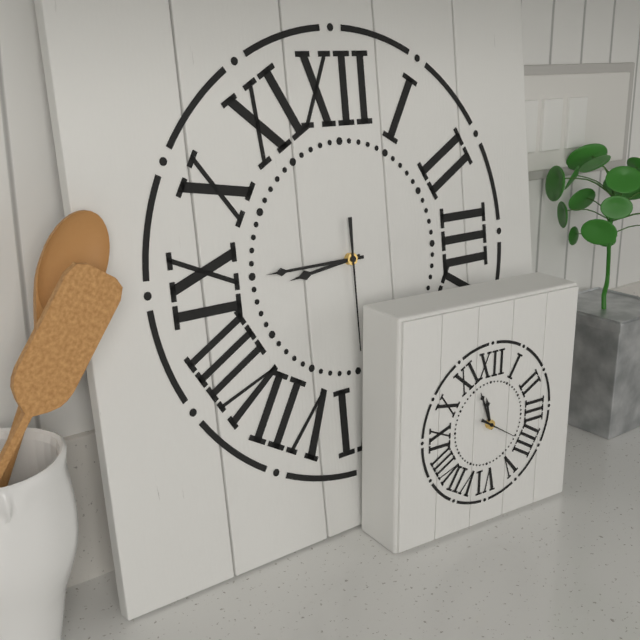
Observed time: **8:45:30**
